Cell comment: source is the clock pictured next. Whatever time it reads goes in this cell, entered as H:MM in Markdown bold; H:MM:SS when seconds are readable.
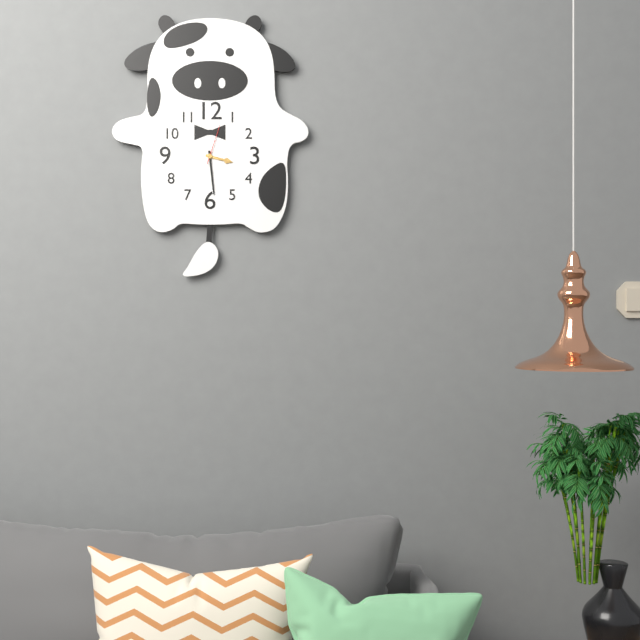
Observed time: **3:29**
